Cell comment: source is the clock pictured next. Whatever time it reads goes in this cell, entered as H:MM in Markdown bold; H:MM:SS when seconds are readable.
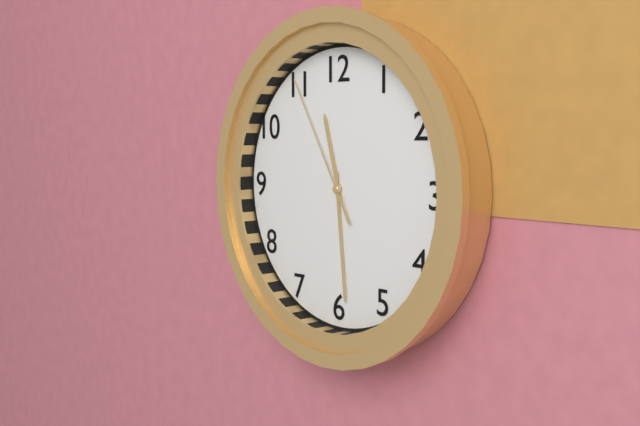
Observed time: **11:29:55**
